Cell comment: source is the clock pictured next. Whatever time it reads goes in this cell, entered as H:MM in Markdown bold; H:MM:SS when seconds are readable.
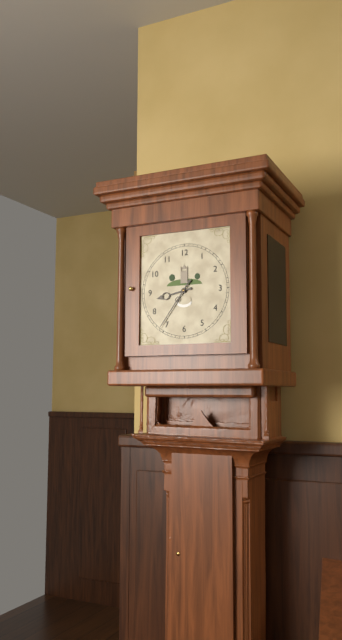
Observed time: **8:36**
